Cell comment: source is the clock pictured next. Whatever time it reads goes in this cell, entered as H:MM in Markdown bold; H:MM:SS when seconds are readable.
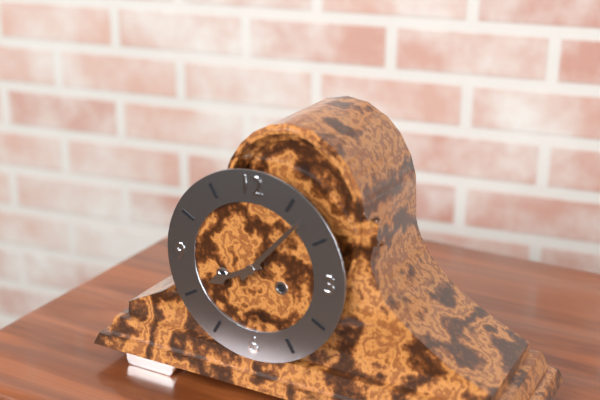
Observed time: **8:07**
